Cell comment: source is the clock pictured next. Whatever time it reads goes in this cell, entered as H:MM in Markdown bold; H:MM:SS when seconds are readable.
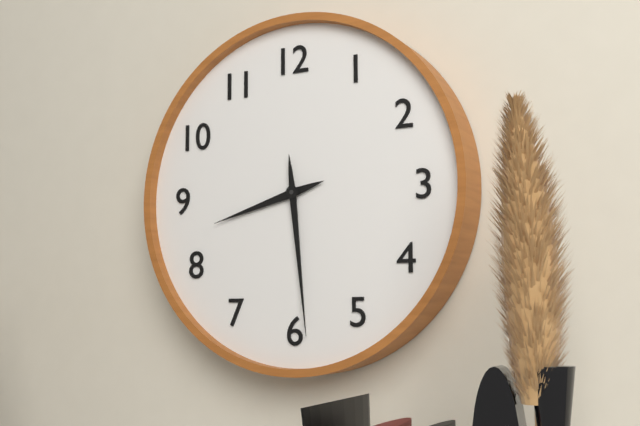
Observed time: **8:29**
